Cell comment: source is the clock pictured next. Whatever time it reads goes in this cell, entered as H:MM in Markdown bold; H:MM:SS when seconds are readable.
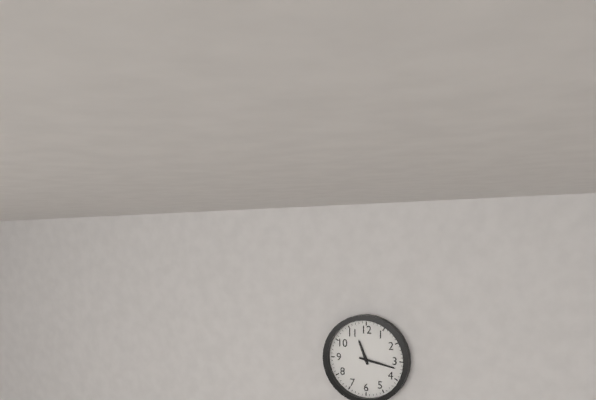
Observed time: **11:17**
